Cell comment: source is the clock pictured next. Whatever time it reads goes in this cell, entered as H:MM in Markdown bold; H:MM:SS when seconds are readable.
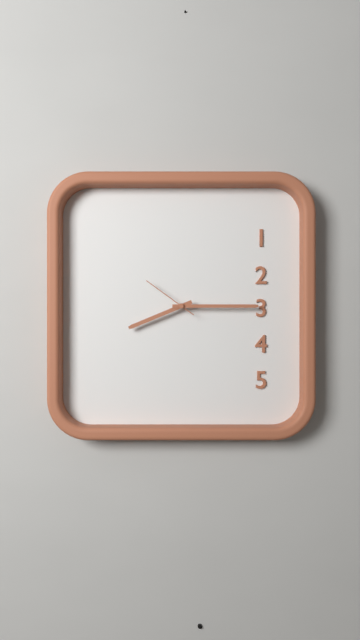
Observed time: **8:15:51**
